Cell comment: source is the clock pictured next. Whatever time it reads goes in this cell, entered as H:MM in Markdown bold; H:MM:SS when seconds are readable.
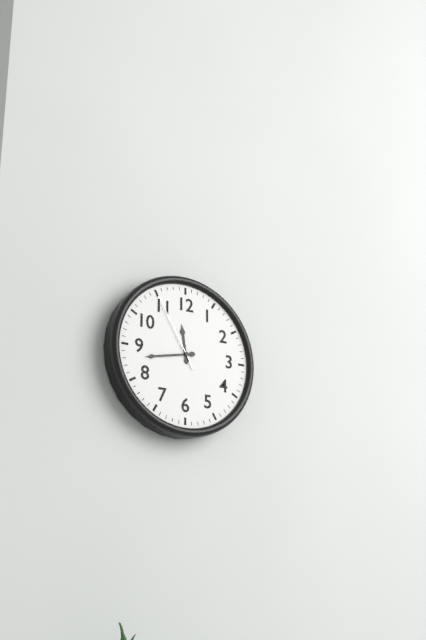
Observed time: **11:43:55**
